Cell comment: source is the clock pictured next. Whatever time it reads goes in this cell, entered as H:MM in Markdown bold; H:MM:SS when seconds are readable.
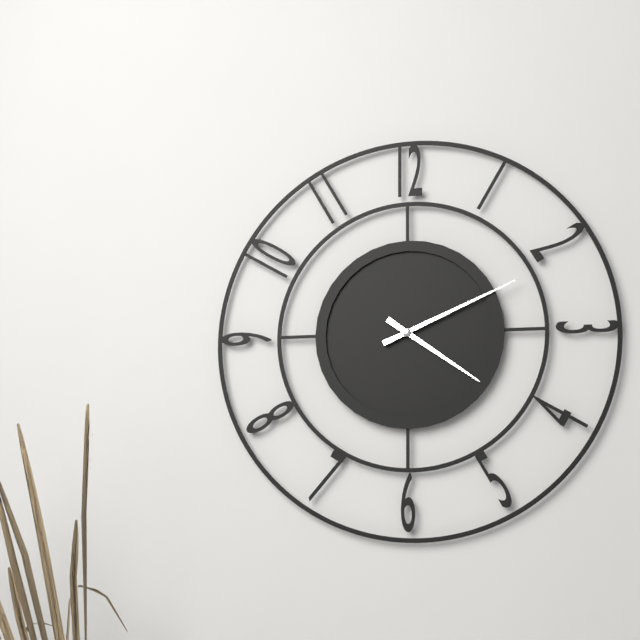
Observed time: **4:11**
